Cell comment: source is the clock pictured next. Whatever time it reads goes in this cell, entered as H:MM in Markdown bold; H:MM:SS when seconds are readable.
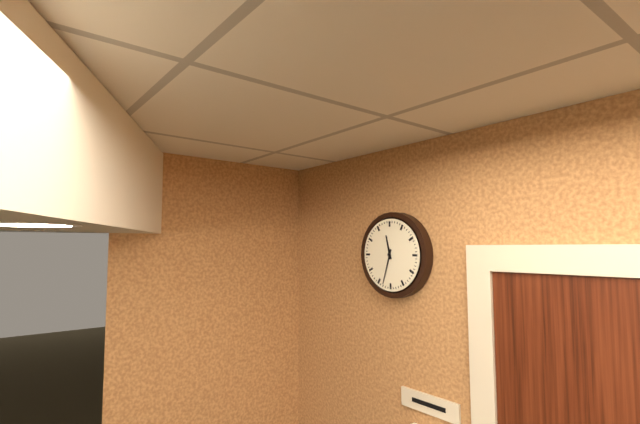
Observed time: **11:33**
